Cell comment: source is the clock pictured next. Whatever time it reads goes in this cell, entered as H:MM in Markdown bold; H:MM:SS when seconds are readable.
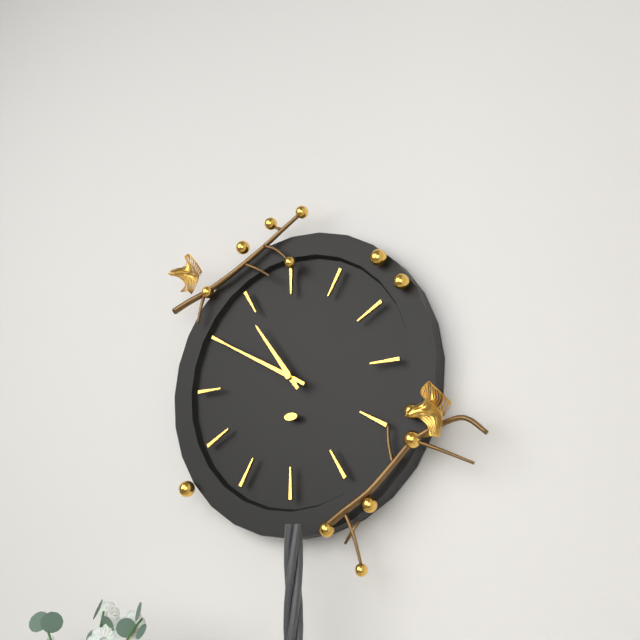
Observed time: **10:50**
